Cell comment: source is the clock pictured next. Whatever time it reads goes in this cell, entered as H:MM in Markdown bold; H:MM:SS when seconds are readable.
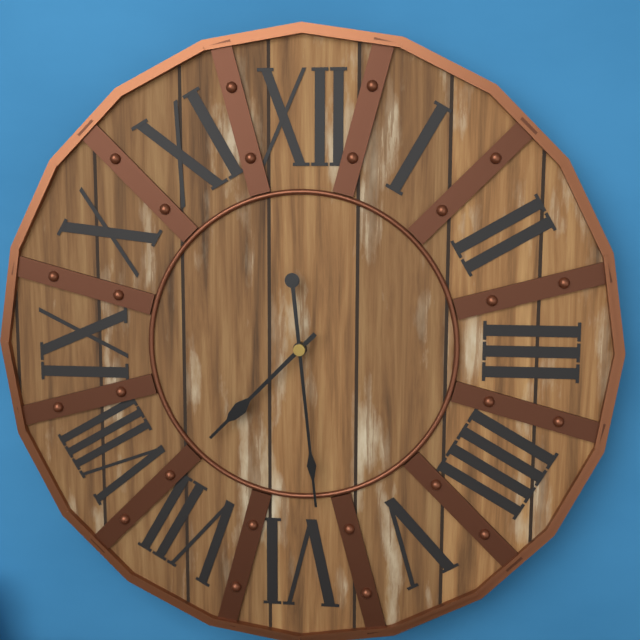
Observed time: **7:29**
